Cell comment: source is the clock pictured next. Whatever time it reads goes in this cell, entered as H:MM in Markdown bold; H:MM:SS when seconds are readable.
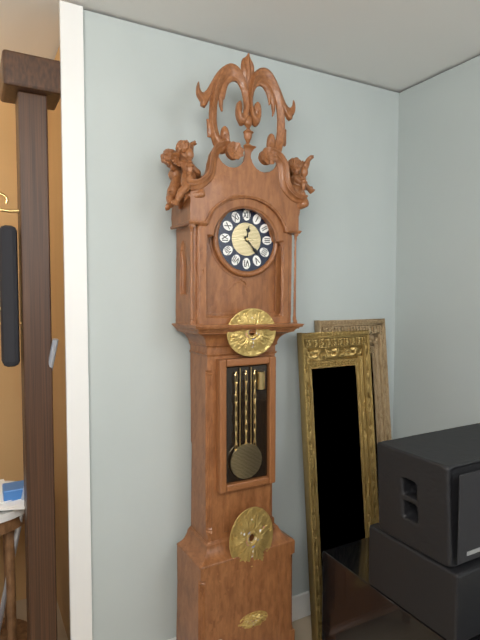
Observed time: **12:23**
